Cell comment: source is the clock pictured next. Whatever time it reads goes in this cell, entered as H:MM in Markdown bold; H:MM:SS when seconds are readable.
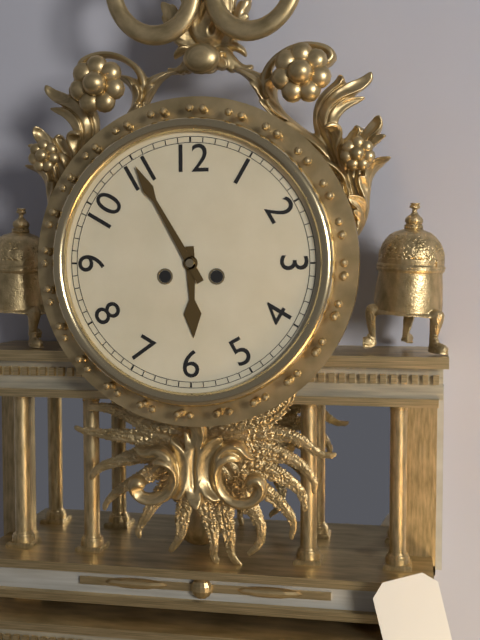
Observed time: **5:55**
